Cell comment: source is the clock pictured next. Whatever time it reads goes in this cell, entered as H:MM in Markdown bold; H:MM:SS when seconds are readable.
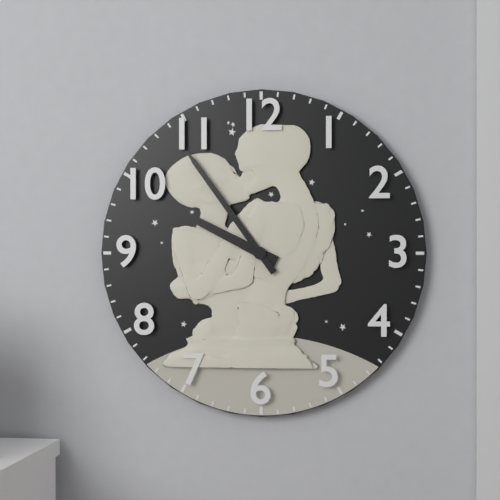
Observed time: **9:54**
